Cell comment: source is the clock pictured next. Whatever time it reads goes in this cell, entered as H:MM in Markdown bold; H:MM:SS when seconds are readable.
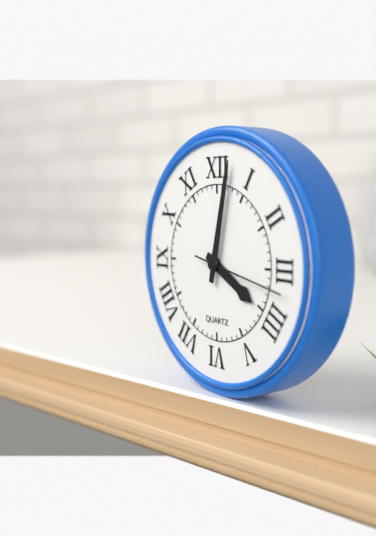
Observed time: **4:02:17**
